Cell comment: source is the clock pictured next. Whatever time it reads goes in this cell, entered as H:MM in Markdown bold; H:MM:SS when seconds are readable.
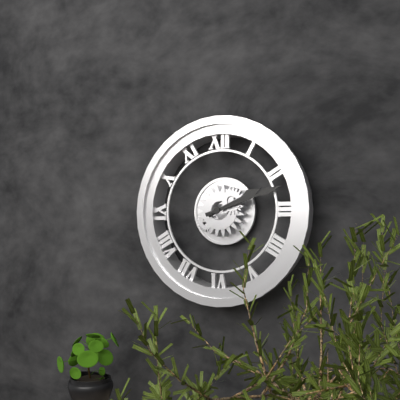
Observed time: **2:12**
